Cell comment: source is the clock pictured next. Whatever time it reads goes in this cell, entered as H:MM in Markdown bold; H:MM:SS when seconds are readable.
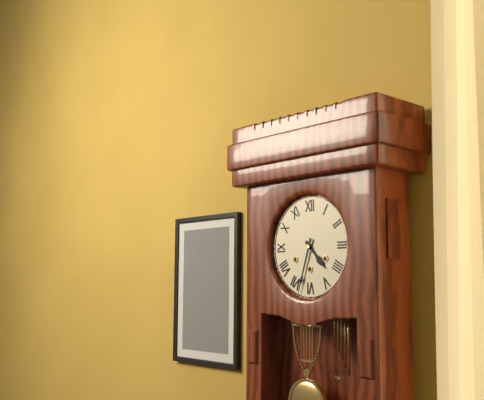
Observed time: **4:33**
